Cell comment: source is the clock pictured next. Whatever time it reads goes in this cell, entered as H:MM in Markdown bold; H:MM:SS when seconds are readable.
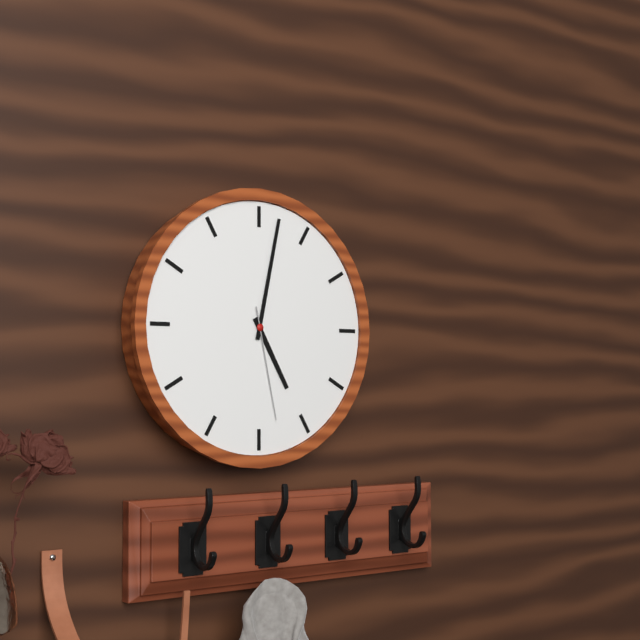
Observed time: **5:02:28**
